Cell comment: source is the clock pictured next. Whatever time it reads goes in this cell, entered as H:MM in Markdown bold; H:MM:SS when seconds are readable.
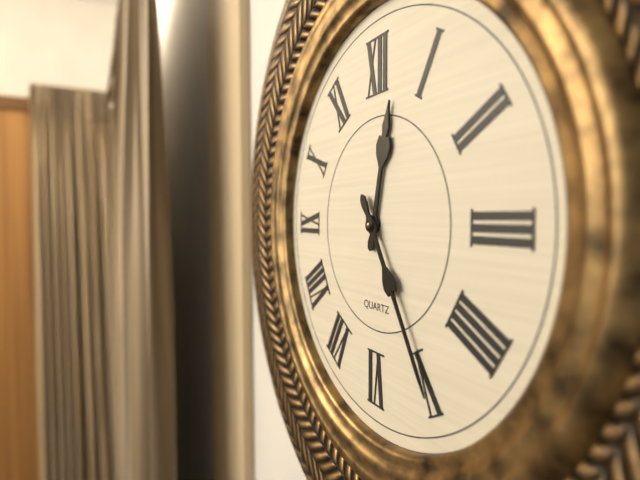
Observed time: **12:25**
